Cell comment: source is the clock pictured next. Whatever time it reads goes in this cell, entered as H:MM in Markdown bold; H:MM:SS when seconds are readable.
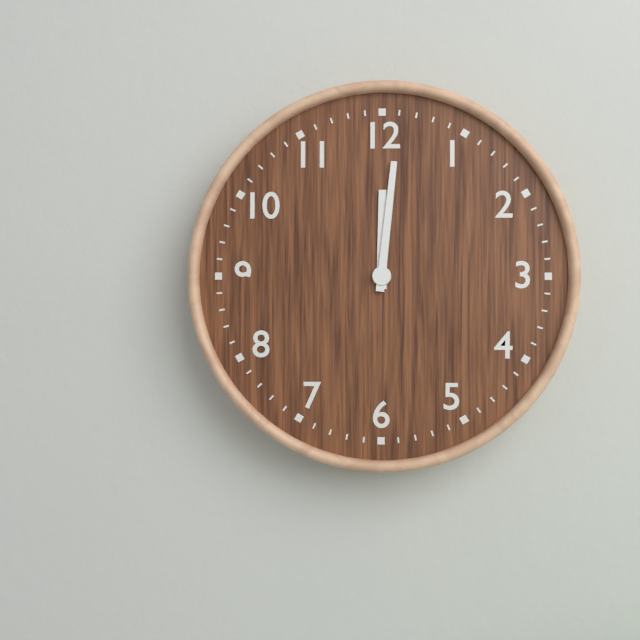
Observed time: **12:01**
